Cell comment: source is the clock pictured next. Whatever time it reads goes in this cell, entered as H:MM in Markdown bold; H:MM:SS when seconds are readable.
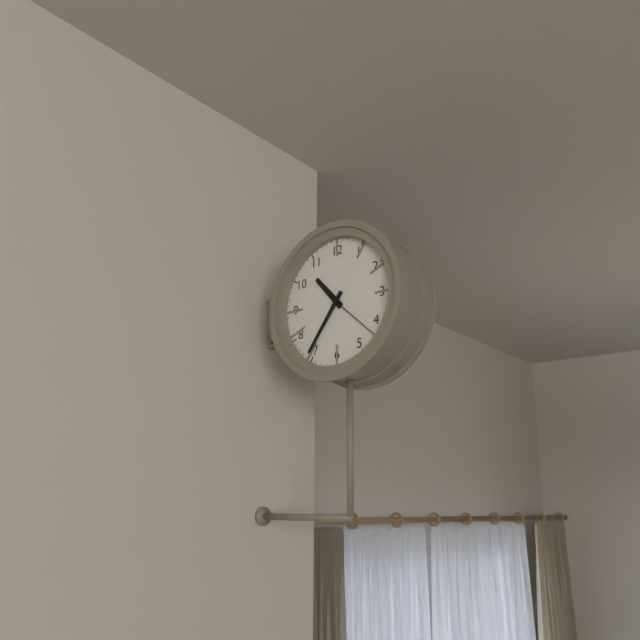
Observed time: **10:36:22**
